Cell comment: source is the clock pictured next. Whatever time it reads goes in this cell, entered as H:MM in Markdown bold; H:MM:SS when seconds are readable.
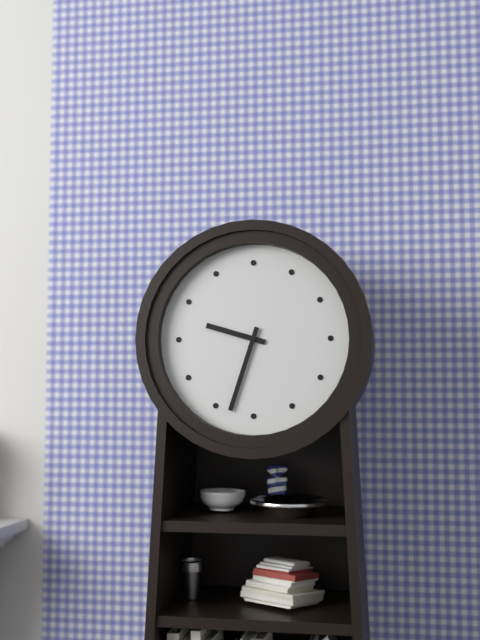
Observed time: **9:33**
